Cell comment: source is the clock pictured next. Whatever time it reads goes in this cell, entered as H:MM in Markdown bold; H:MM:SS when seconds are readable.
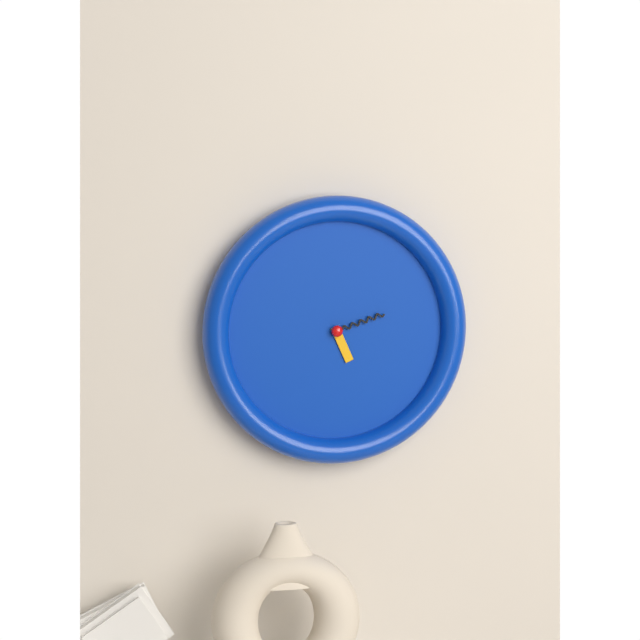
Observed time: **5:12**
